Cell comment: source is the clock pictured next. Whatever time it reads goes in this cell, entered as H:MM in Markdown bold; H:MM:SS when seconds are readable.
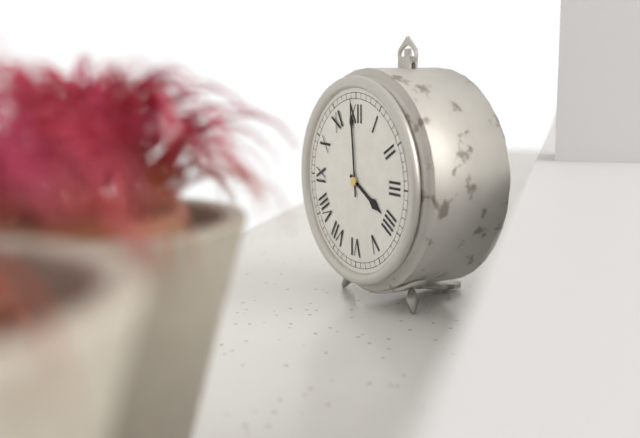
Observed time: **3:59**
